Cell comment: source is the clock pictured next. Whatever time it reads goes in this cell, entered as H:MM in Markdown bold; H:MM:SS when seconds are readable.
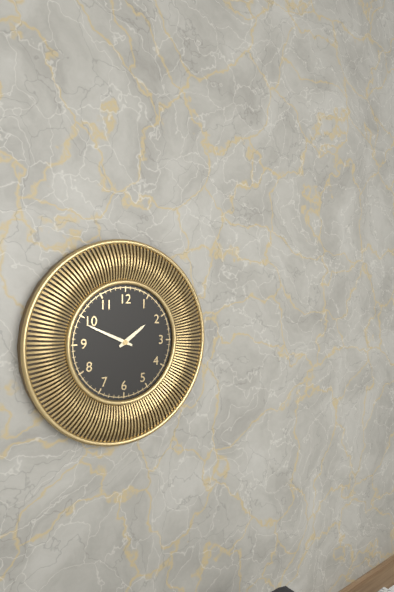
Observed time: **1:49**
